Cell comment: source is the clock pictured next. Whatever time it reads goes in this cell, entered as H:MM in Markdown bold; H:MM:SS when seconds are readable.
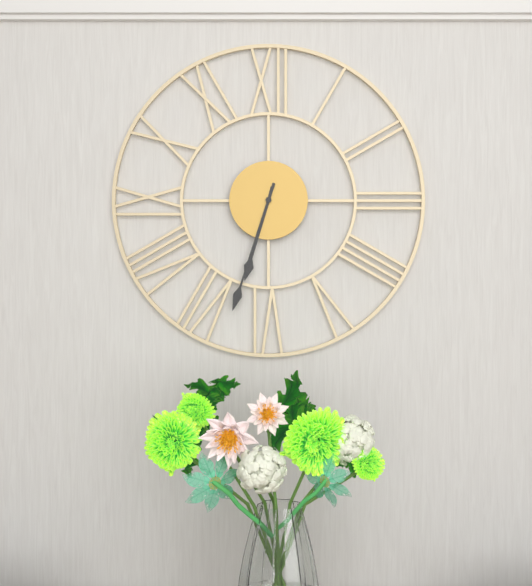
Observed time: **6:33**
